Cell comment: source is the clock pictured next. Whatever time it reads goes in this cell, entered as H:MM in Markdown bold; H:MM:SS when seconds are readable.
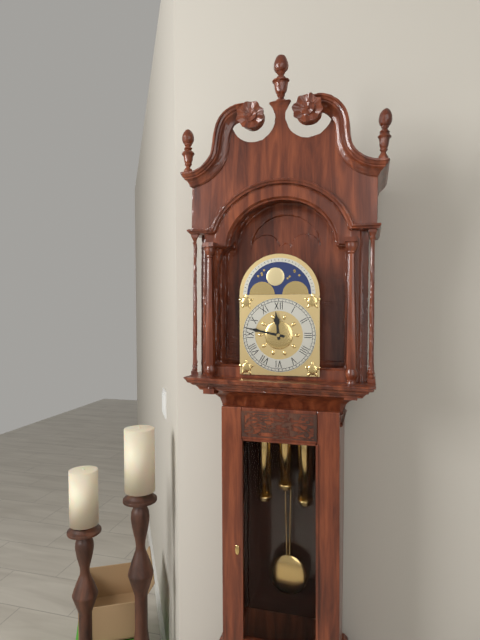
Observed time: **11:47**
